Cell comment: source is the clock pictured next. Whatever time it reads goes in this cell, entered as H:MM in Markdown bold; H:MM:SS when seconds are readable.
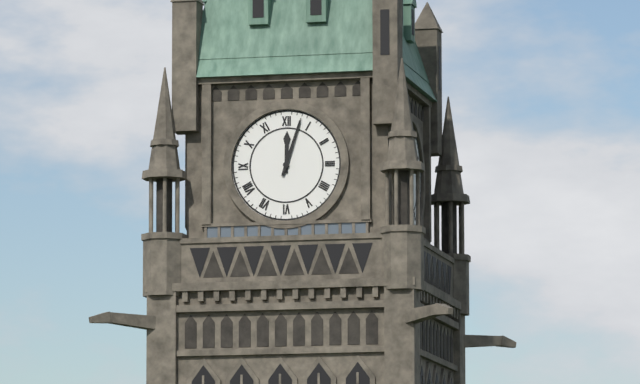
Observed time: **12:03**
